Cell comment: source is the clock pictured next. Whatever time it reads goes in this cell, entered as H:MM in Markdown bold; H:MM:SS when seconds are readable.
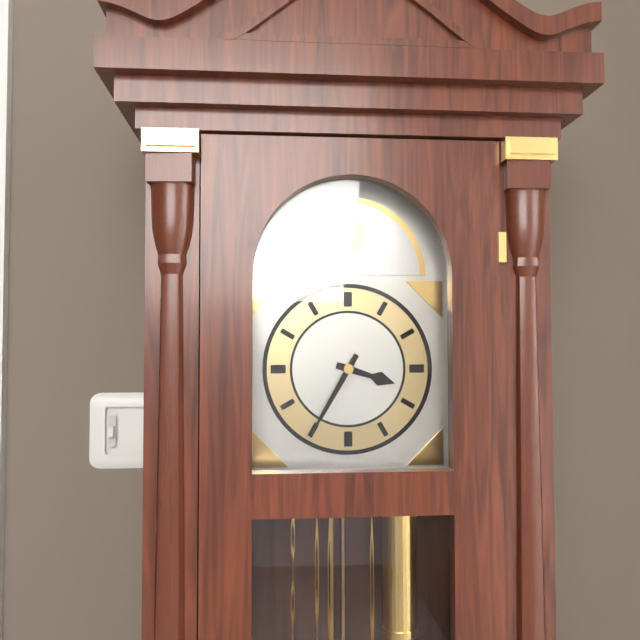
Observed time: **3:35**
